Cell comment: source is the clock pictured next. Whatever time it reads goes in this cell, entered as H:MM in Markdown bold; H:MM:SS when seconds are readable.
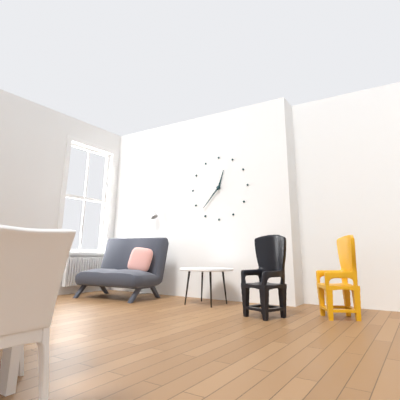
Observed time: **12:37**
